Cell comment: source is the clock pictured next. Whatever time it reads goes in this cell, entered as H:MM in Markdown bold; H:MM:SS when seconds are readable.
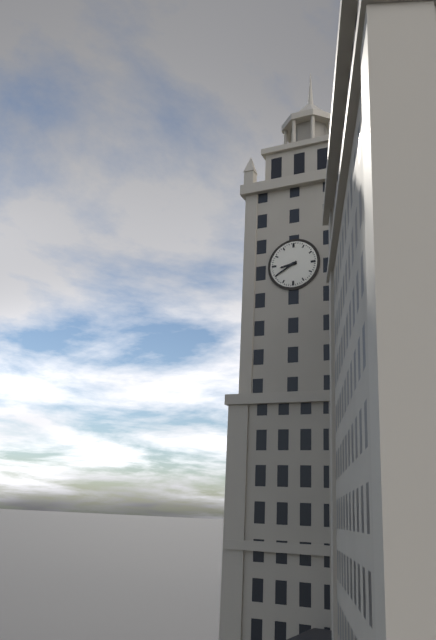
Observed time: **8:40**
